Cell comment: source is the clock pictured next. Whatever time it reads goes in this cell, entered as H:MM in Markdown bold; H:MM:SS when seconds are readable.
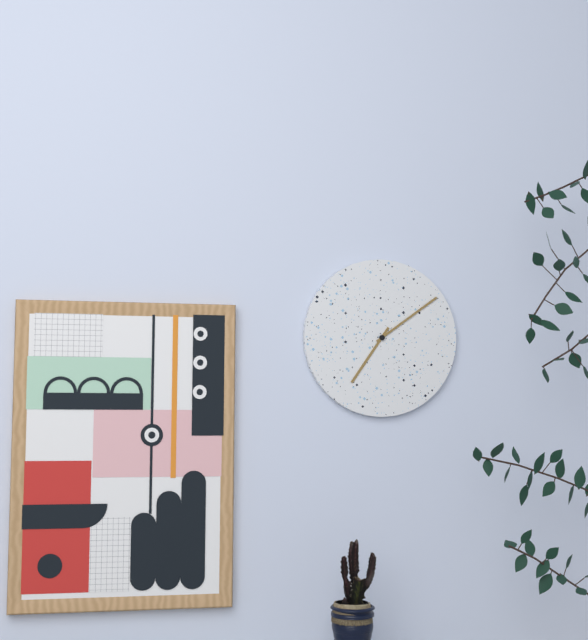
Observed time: **7:09**
